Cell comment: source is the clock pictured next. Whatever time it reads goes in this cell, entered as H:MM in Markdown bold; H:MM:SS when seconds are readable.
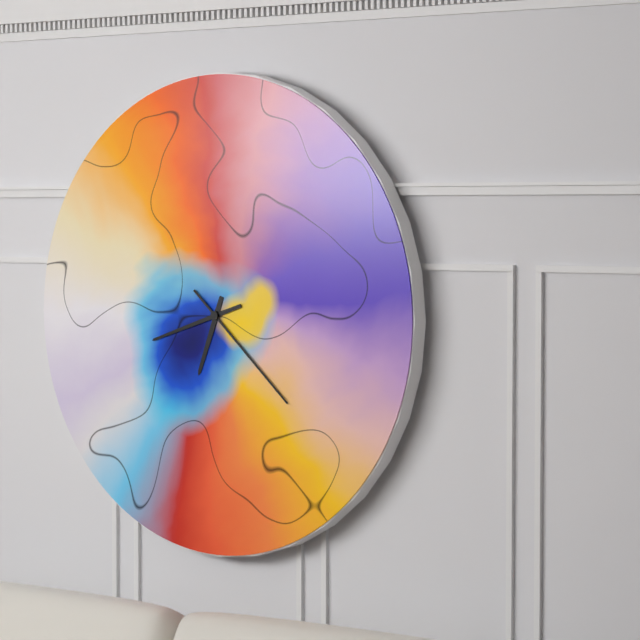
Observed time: **6:42:22**
